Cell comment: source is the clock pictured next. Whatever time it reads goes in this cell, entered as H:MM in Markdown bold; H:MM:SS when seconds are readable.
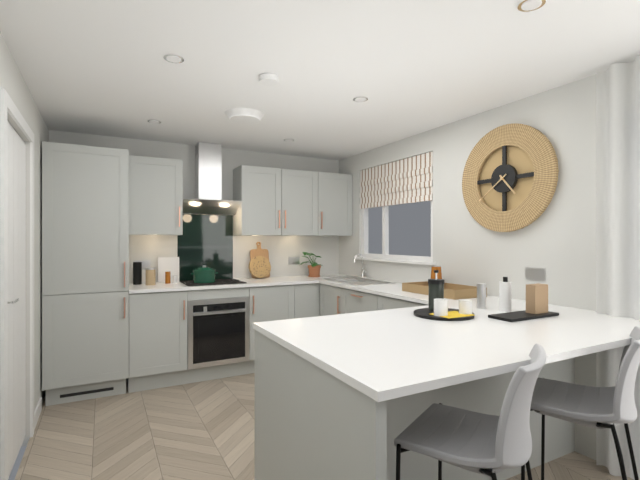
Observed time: **4:39**
